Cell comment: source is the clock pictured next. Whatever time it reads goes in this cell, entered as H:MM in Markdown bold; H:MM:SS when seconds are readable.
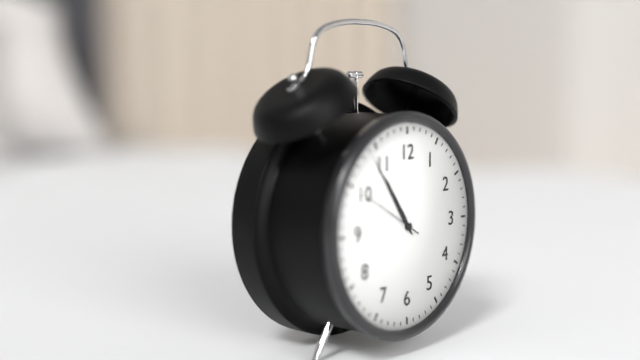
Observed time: **10:54**
